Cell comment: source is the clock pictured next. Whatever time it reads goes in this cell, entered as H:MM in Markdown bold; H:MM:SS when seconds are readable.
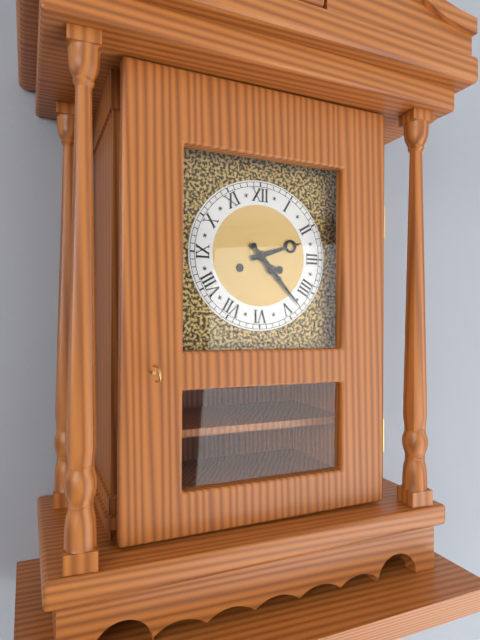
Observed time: **2:23**
